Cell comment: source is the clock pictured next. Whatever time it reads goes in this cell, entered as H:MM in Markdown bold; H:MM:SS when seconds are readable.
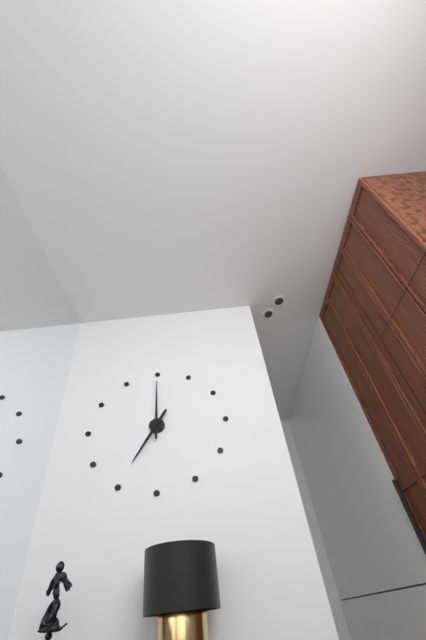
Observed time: **7:00**
